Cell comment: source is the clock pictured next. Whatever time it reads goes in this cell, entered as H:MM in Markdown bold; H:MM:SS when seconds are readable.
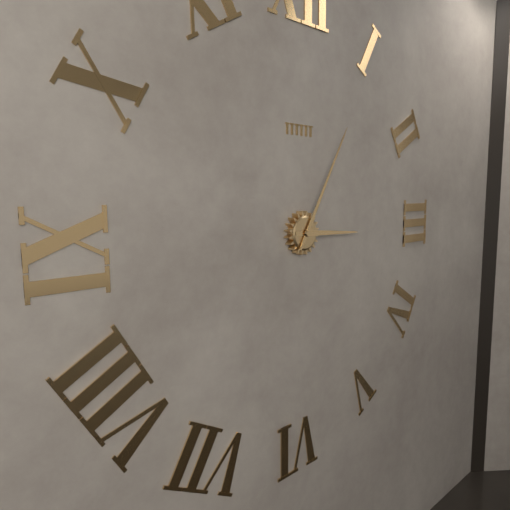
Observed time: **3:05**
